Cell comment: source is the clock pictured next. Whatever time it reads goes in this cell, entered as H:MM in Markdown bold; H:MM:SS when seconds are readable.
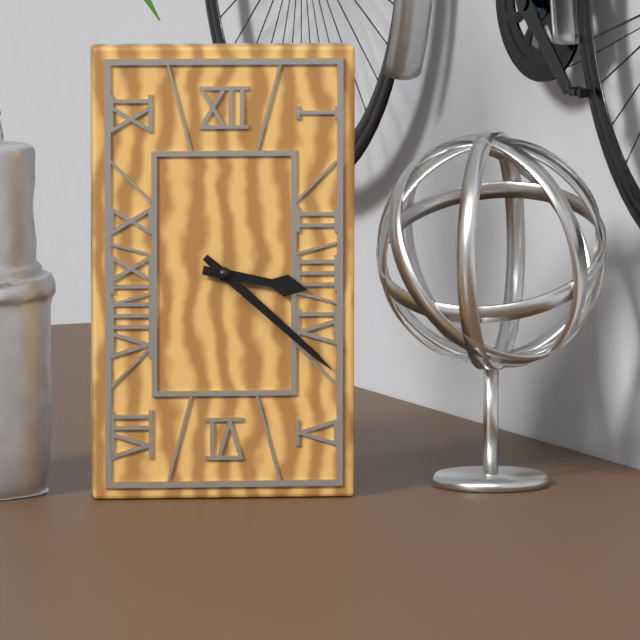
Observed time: **3:22**
